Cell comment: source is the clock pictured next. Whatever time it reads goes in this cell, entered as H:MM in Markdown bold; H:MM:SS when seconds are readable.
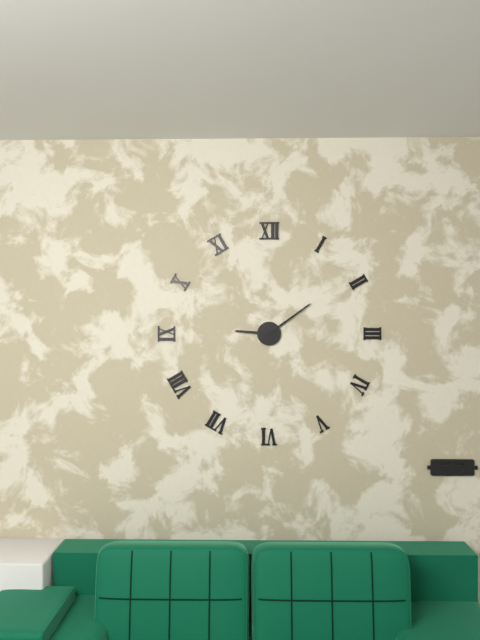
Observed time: **9:09**
